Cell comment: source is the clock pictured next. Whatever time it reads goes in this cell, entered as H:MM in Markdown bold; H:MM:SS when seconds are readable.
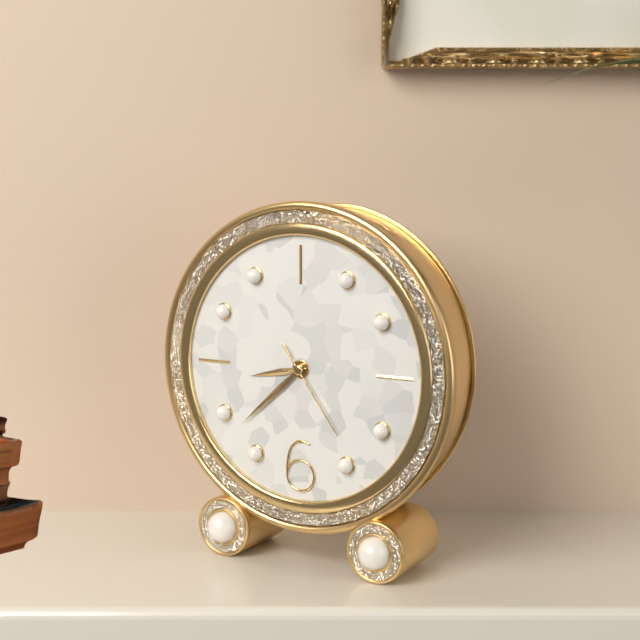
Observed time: **8:38:24**
